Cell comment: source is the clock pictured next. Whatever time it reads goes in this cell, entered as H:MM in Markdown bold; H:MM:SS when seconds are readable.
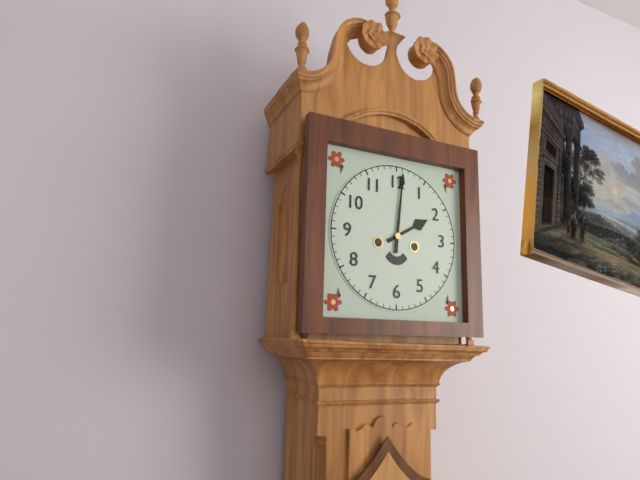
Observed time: **2:01**
